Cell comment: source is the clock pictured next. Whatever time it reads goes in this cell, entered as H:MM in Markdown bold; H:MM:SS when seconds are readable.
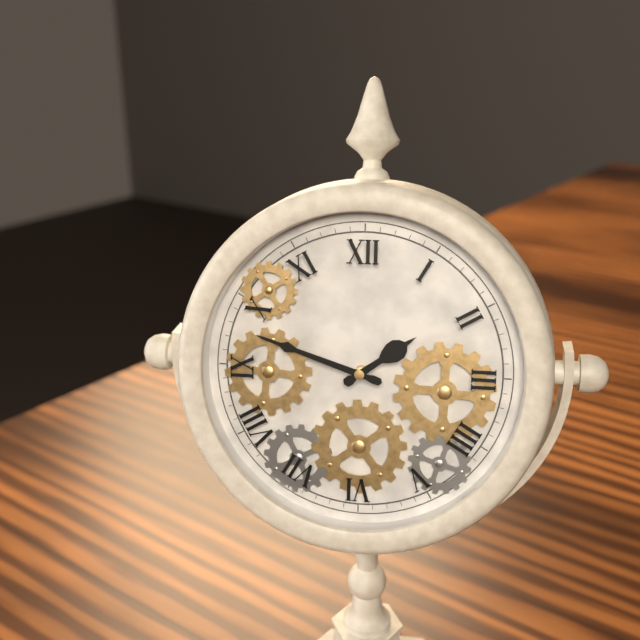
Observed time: **1:48**
